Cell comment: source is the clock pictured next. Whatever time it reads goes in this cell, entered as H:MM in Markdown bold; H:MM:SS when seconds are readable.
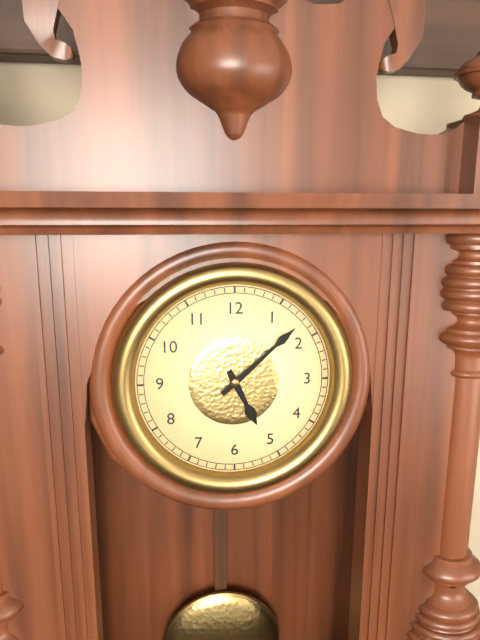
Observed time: **5:08**
